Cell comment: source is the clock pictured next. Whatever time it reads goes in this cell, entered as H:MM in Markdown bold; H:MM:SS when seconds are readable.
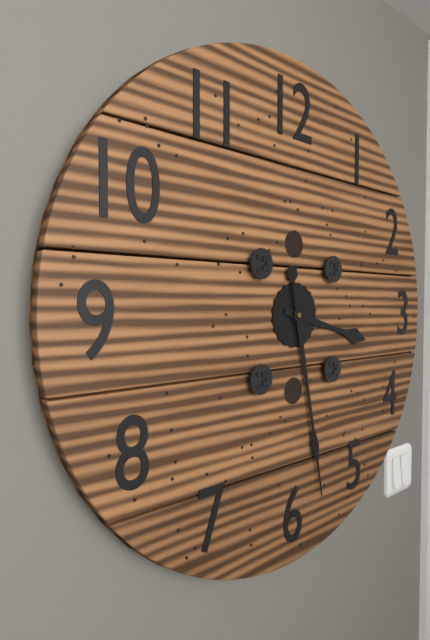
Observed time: **3:28**
